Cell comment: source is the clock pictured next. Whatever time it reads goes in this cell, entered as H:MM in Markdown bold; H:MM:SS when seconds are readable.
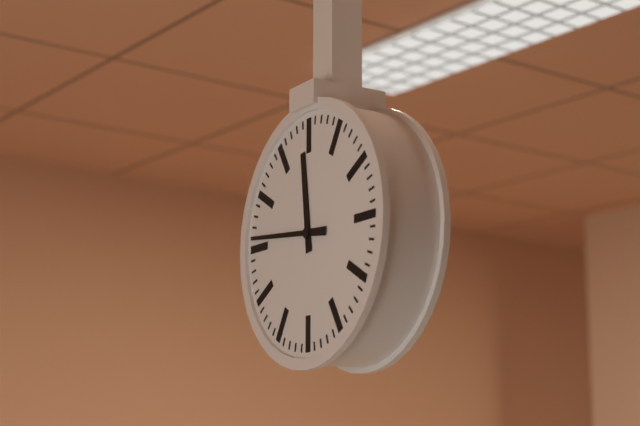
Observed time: **11:46**
